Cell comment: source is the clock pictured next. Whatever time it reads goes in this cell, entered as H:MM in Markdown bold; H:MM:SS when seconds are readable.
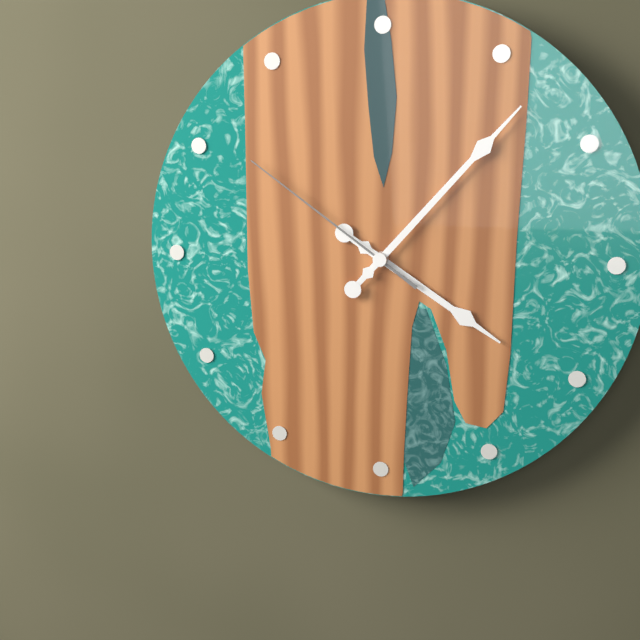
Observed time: **4:07:51**
